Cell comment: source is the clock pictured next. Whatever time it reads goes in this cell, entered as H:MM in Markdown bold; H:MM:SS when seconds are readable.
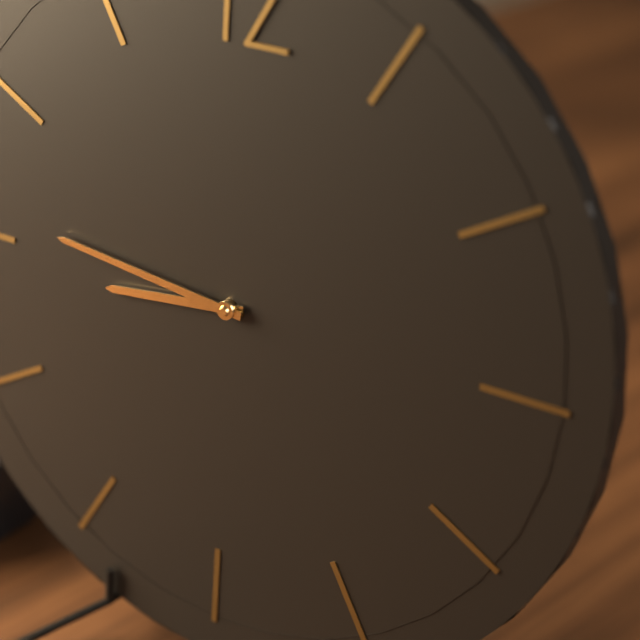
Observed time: **8:46**
